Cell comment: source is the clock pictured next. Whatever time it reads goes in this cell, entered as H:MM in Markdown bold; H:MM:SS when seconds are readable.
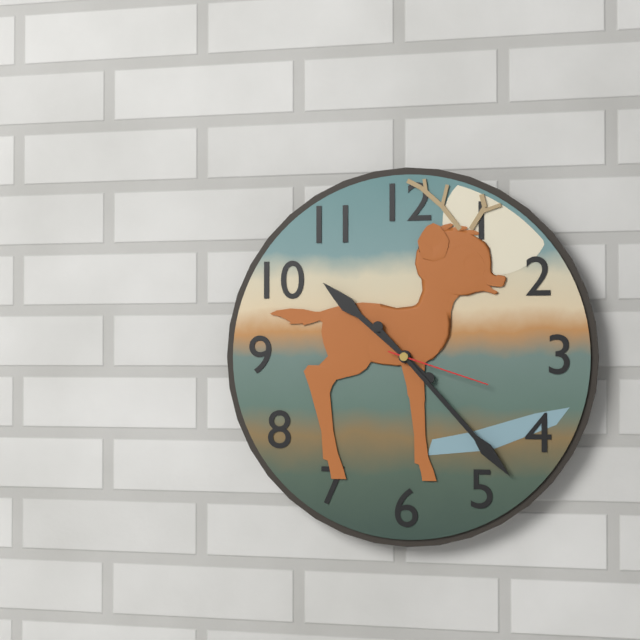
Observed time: **10:23:18**
